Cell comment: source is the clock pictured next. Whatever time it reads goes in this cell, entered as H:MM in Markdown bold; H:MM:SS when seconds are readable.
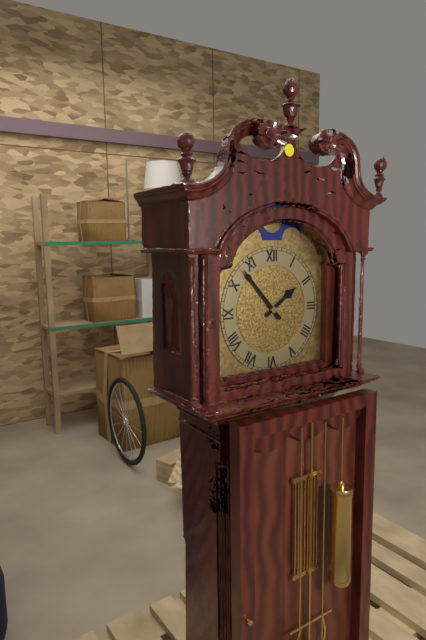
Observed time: **1:53**
